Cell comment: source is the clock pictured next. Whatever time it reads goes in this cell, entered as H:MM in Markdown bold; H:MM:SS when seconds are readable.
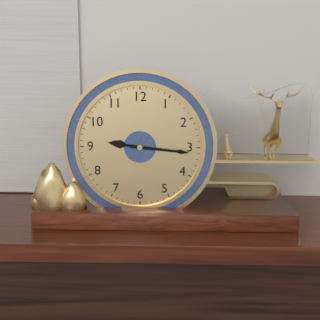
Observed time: **9:16**
